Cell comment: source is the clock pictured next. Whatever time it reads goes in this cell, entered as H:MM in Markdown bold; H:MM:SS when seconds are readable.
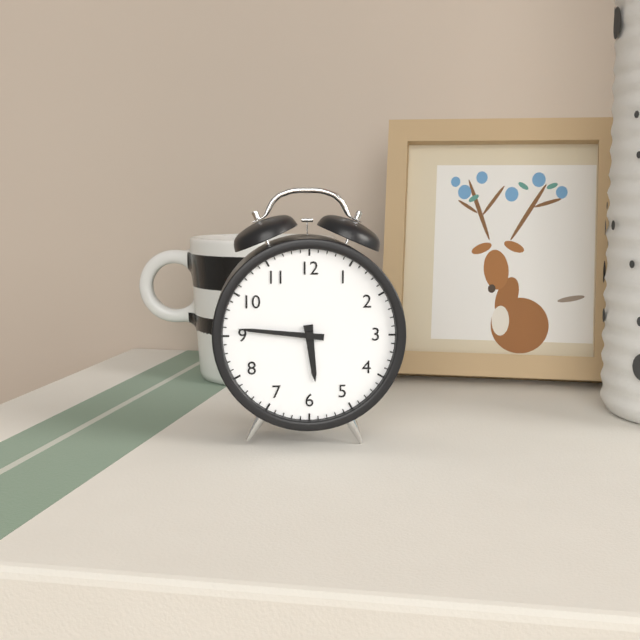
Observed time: **5:46**
